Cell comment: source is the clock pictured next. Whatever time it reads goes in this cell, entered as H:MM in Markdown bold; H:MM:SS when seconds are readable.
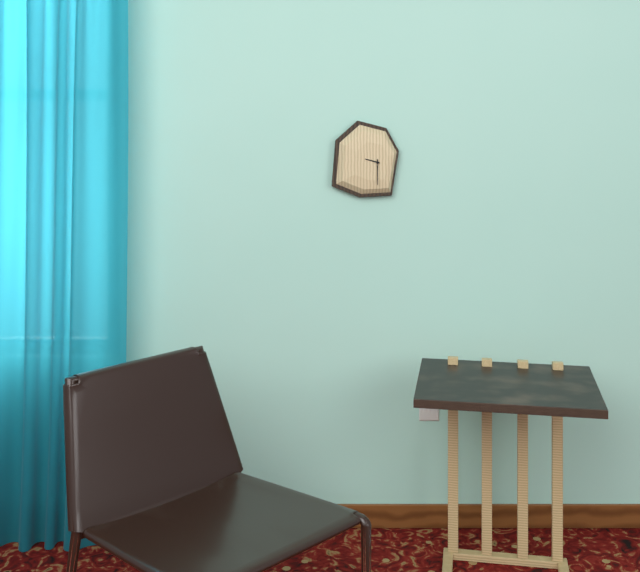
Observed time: **9:30**
